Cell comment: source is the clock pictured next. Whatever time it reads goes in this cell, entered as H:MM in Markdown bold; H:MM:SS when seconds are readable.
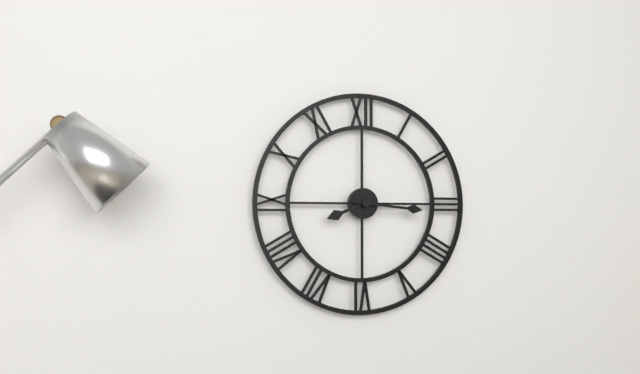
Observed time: **8:16**
